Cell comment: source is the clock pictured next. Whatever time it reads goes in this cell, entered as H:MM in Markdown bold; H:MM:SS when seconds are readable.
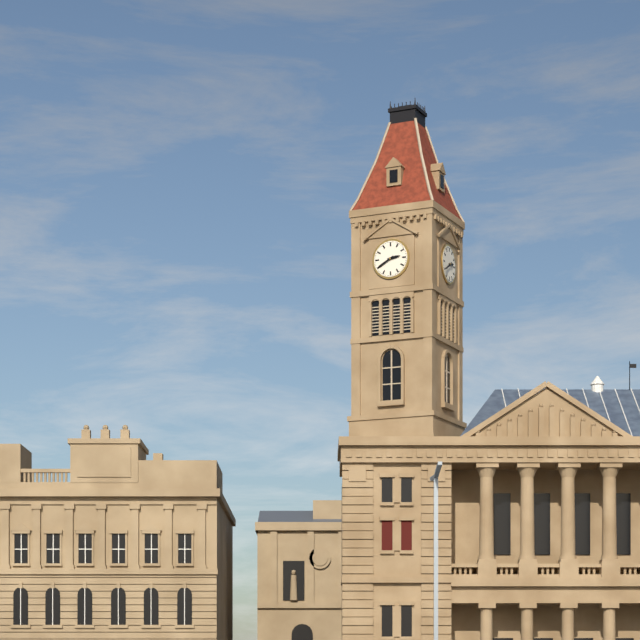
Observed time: **2:40**
